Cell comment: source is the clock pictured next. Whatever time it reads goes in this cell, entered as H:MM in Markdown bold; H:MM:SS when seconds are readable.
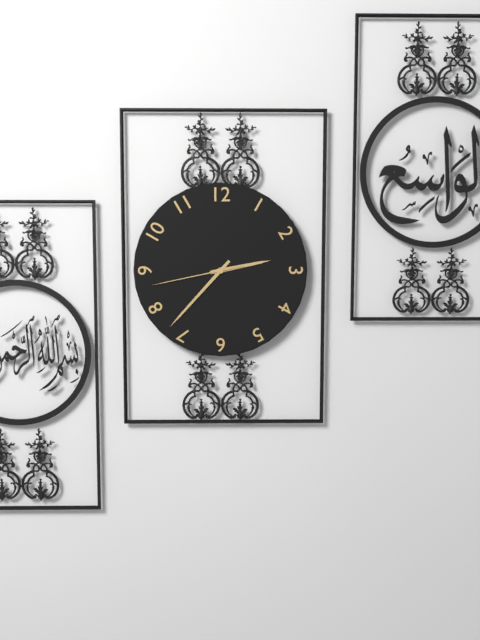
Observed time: **2:37:43**
